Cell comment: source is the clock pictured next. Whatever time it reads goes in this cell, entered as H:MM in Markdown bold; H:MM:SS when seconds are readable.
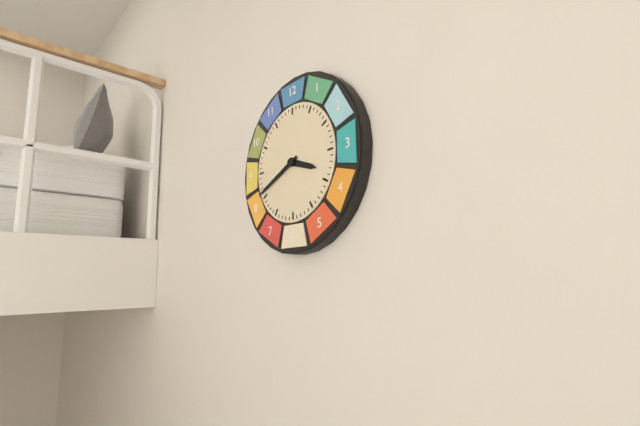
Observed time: **3:41**
